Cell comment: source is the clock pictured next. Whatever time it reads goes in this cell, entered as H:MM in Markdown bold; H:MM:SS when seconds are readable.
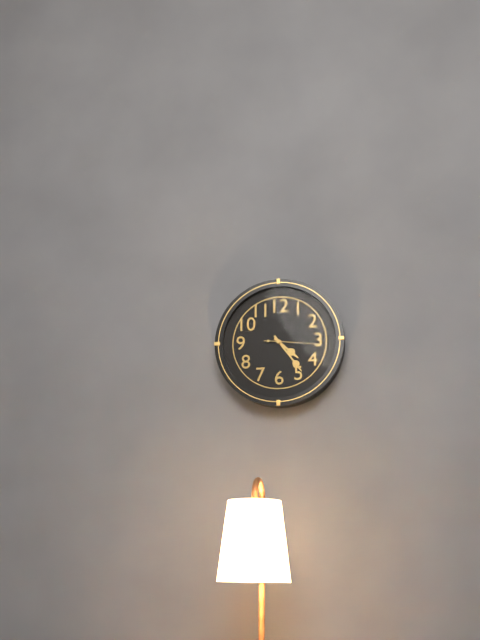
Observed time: **4:24**
